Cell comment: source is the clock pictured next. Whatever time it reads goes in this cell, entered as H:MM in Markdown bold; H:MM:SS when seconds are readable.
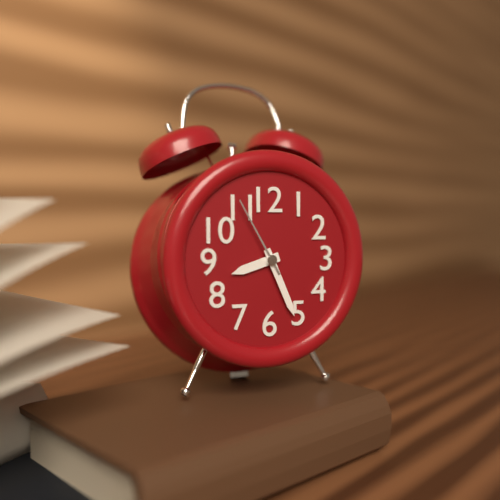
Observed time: **8:26:55**
